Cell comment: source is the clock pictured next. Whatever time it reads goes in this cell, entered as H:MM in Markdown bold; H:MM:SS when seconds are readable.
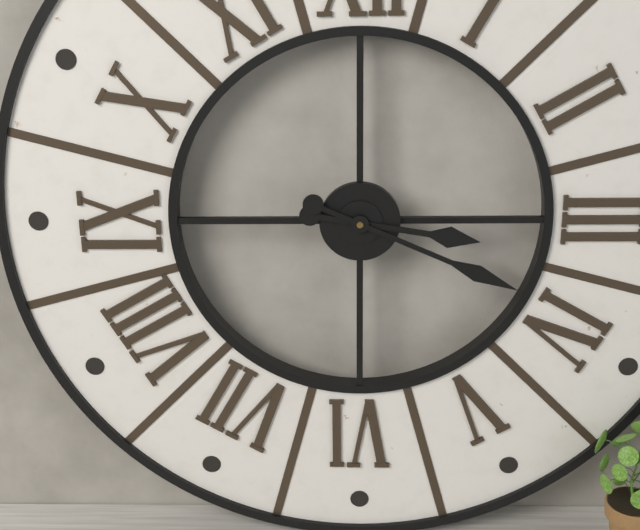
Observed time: **3:19**
